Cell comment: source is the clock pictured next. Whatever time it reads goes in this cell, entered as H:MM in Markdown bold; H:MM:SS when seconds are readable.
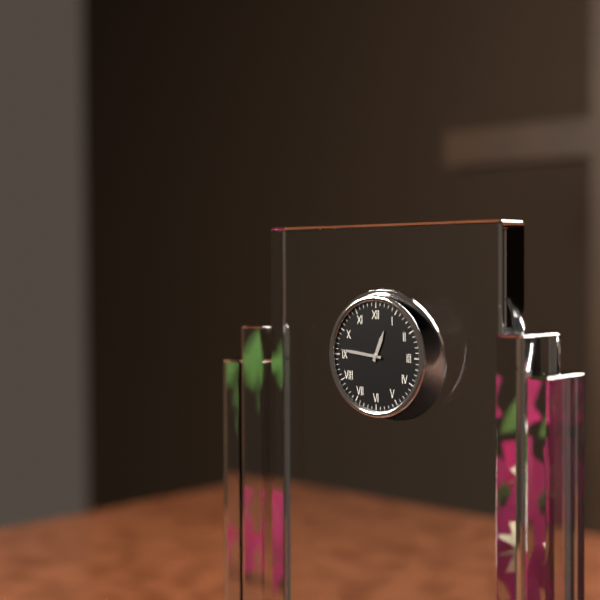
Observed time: **12:46**
